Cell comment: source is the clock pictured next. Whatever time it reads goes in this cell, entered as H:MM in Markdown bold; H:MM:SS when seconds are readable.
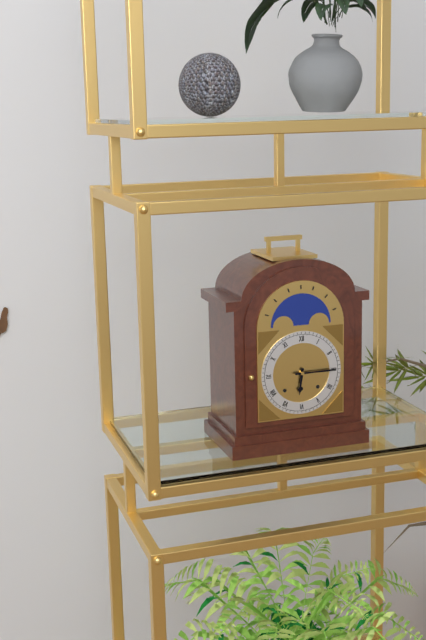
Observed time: **6:15**
